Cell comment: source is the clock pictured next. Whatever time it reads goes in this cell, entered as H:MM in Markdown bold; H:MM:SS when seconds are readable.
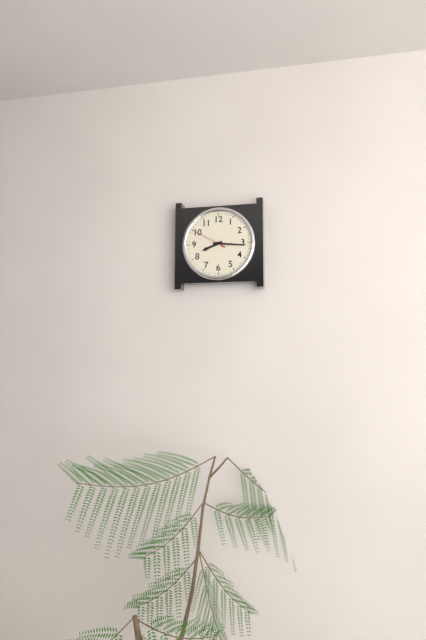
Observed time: **8:16**
